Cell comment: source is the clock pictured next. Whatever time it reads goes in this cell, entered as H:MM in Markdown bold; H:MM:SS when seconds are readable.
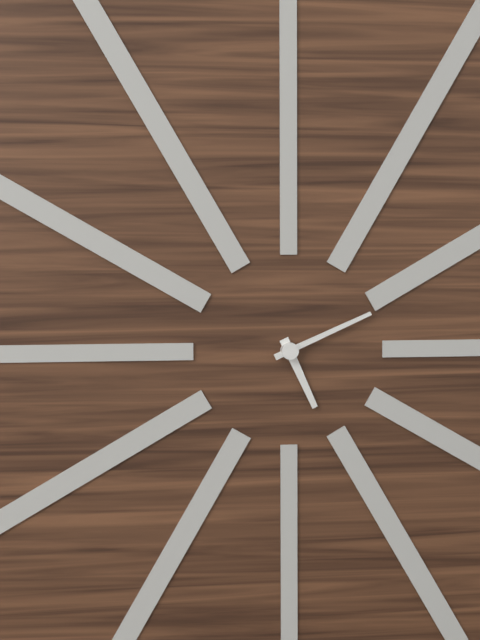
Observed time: **5:11**
